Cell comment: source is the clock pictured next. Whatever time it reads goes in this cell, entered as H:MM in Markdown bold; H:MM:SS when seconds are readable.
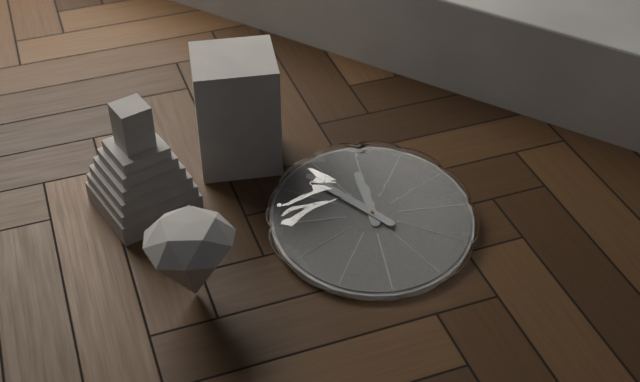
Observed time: **11:53**
